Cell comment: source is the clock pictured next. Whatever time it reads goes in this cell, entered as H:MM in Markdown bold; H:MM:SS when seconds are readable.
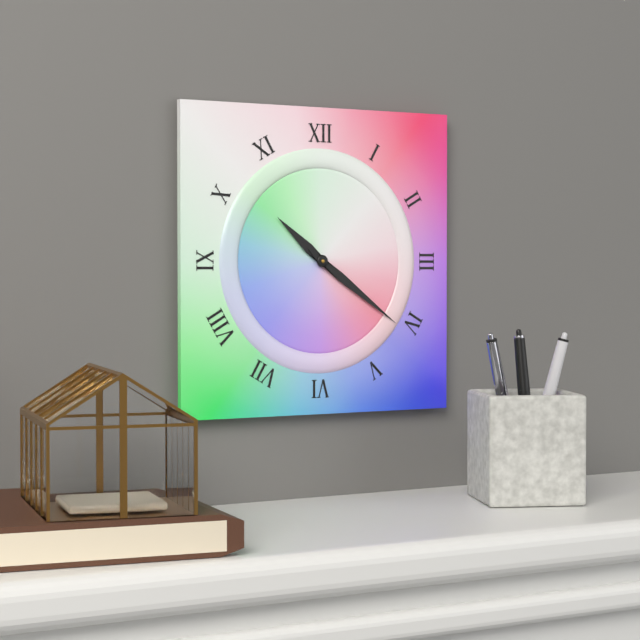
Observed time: **10:21**
